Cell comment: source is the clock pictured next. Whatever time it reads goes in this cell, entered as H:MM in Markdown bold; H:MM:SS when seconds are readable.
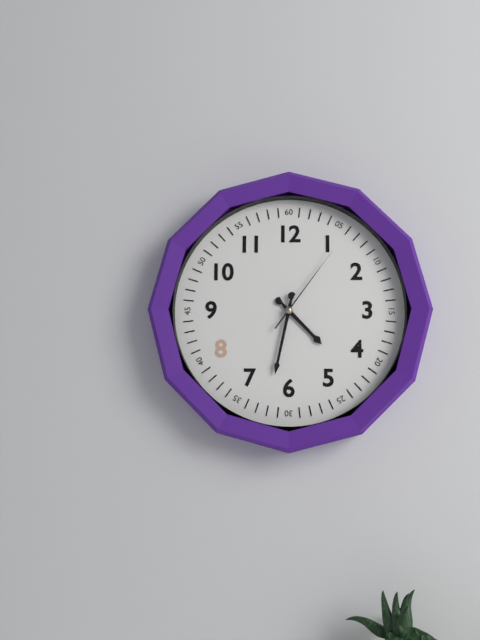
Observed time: **4:32:06**
